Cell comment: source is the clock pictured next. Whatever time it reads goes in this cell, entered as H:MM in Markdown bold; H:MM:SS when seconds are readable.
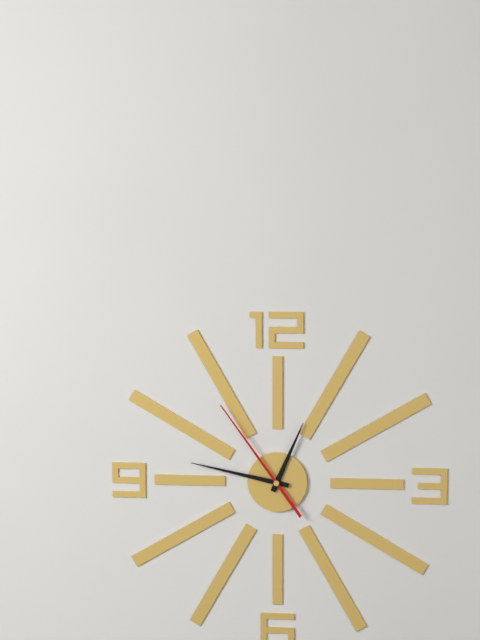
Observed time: **12:47:54**
